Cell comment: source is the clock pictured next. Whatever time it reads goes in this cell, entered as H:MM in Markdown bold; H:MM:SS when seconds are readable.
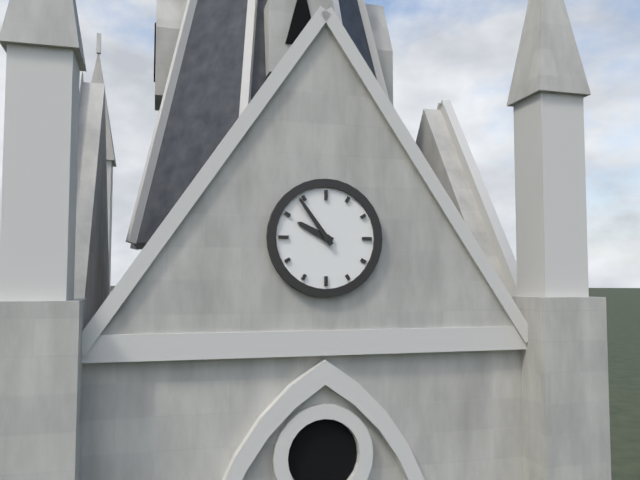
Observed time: **9:54**
